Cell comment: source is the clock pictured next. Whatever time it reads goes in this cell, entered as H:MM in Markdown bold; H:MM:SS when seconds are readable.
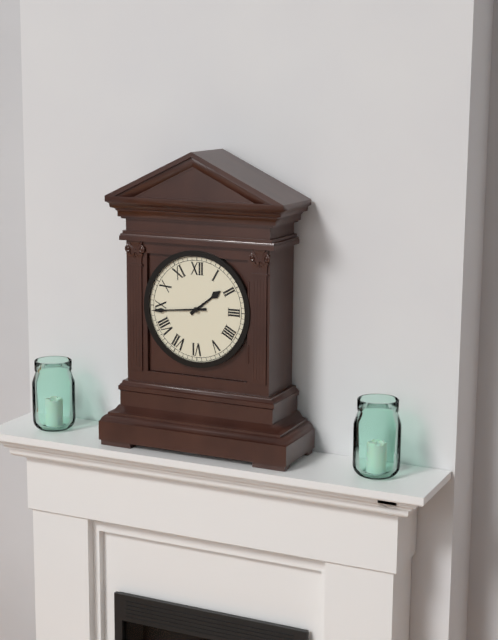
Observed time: **1:44**
